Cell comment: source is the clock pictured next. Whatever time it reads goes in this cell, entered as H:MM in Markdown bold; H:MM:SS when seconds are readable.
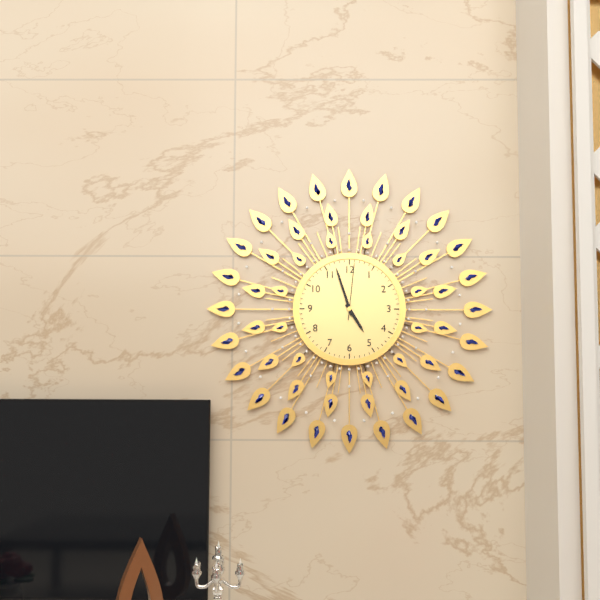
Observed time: **4:57:01**
